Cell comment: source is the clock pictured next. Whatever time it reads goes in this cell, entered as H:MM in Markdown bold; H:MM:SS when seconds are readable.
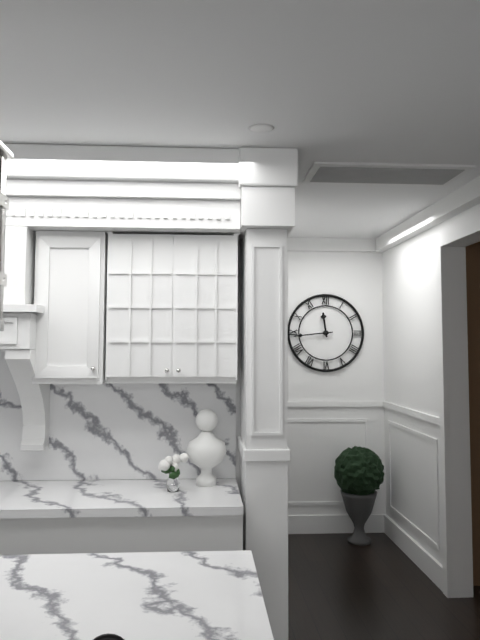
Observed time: **11:44**
